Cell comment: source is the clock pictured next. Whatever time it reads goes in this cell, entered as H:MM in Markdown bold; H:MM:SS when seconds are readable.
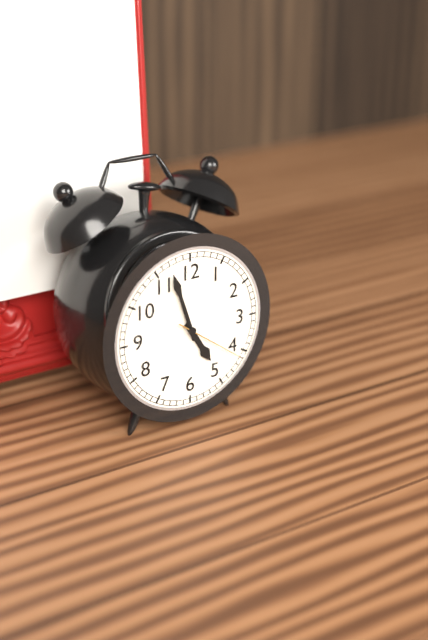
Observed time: **4:57:21**
